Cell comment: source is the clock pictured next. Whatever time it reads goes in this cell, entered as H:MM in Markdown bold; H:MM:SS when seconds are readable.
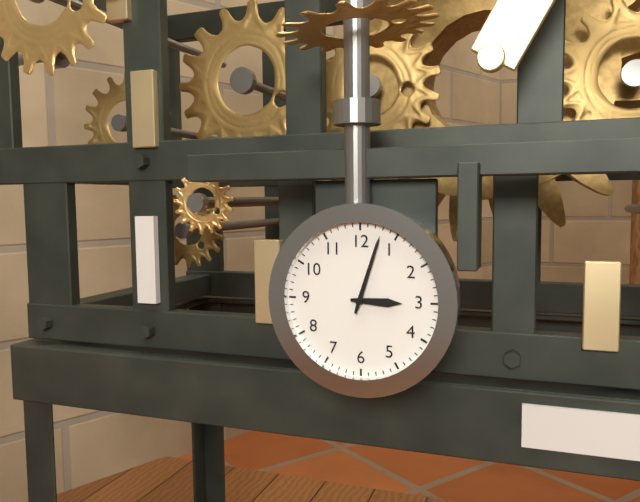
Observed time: **3:03**
